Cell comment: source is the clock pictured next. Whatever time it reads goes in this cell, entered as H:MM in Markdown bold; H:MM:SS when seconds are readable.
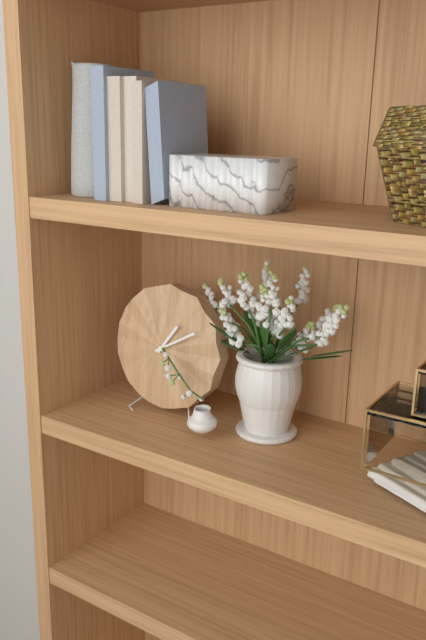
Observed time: **1:10**
